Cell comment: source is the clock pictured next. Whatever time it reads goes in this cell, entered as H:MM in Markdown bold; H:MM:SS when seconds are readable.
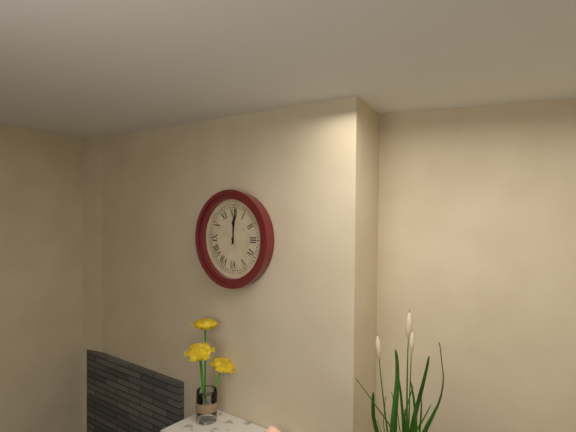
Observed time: **12:01**
